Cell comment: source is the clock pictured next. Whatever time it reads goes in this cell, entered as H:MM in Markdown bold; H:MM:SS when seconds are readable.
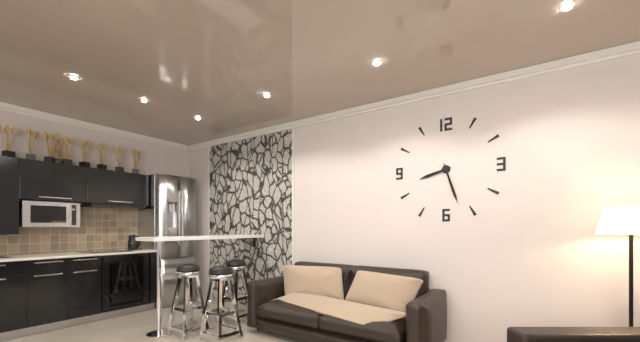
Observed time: **8:27**
